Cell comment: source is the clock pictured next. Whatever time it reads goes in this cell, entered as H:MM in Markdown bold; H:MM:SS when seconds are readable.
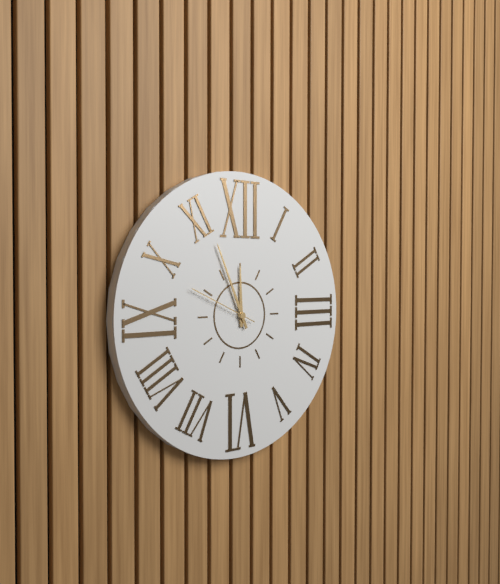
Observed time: **11:56:49**
